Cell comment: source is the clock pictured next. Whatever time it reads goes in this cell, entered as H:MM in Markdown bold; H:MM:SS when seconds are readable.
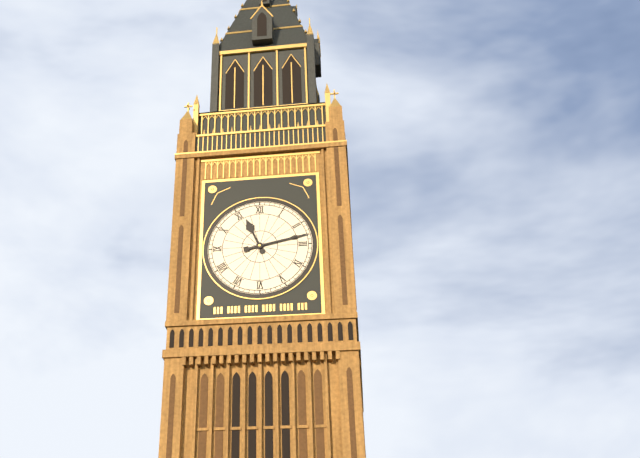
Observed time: **11:13**
